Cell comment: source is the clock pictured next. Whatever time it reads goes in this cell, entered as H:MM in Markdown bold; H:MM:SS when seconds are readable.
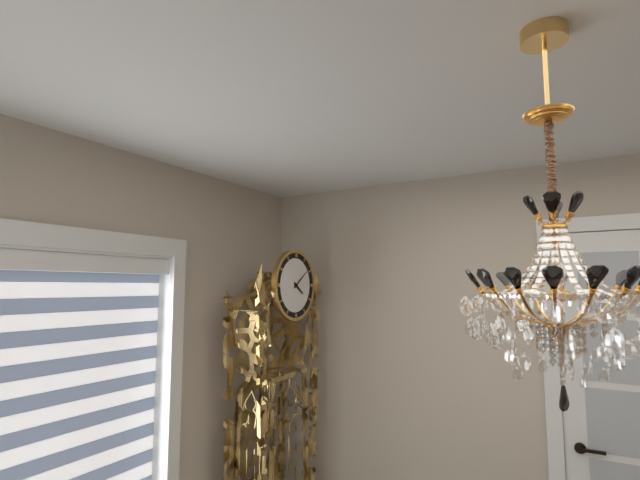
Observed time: **4:09**
